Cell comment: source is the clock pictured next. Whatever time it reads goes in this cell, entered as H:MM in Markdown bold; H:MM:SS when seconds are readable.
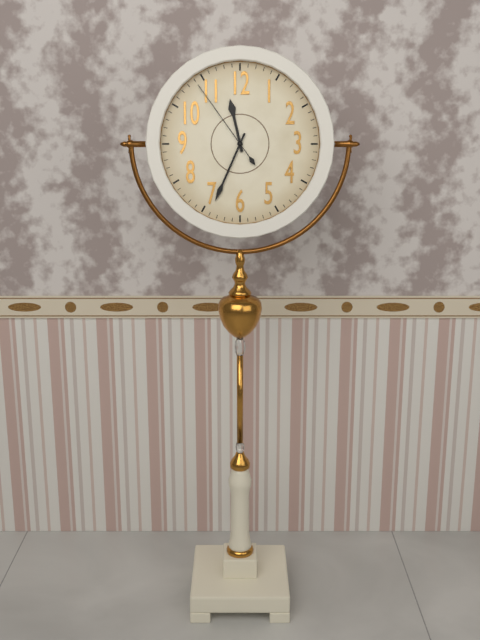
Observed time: **11:34:54**
